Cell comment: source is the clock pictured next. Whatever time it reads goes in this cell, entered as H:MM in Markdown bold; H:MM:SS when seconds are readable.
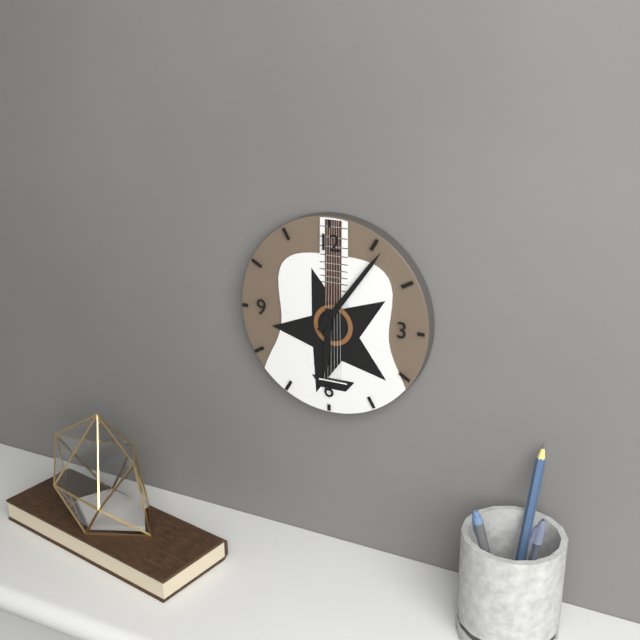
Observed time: **6:06**
